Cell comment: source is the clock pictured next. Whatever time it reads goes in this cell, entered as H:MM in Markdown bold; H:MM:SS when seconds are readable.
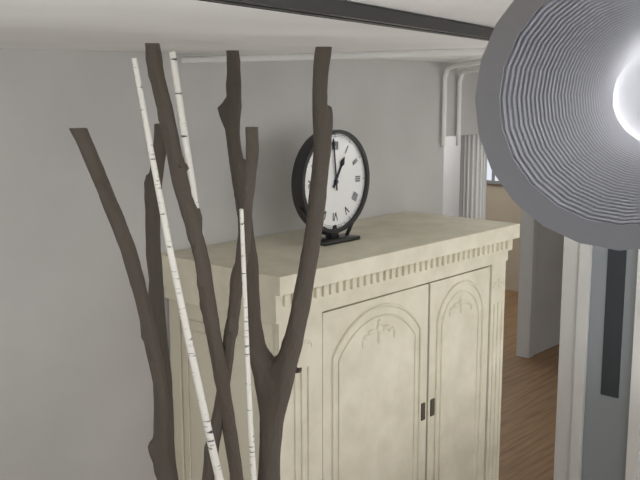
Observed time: **12:59**
